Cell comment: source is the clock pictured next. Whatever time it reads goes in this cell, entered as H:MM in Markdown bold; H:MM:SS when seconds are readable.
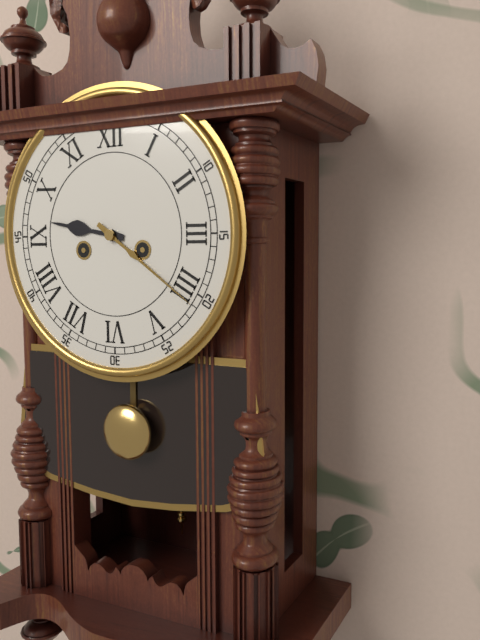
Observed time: **9:21**
